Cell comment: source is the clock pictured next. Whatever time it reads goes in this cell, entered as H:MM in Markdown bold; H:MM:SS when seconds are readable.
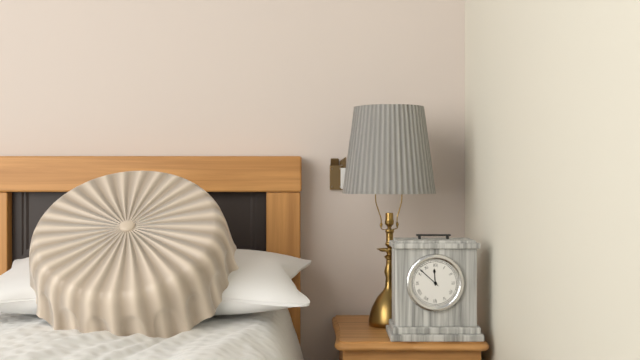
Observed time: **11:52**
